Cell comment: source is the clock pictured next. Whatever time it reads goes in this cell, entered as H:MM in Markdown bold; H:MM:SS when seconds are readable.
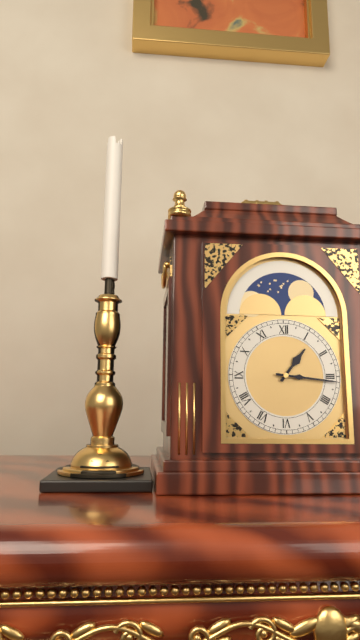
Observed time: **1:16**
